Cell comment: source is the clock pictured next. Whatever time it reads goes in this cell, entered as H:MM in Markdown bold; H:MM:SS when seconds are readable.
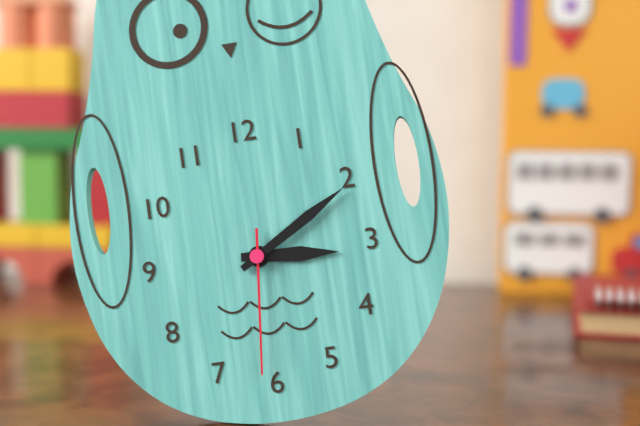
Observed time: **3:10:31**
